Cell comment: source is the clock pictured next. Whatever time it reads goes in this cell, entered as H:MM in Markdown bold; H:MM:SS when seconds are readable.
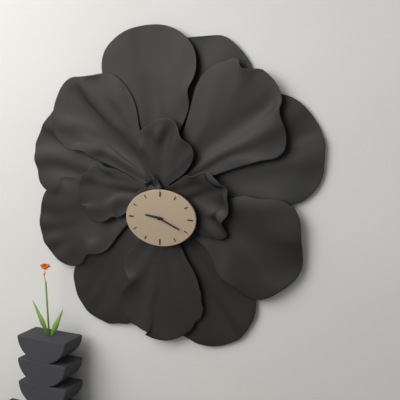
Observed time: **9:19**
